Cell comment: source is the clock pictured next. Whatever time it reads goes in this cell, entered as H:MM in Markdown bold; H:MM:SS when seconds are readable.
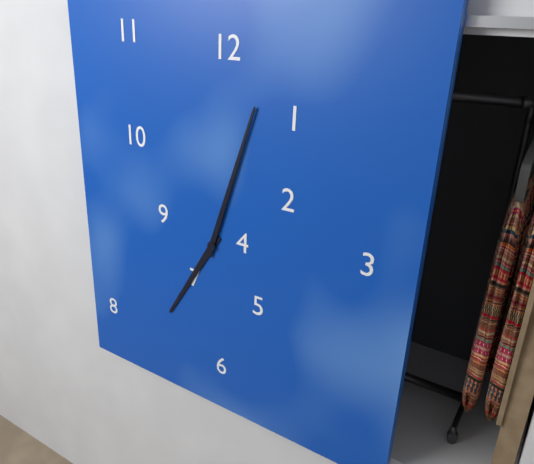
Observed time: **7:03**
